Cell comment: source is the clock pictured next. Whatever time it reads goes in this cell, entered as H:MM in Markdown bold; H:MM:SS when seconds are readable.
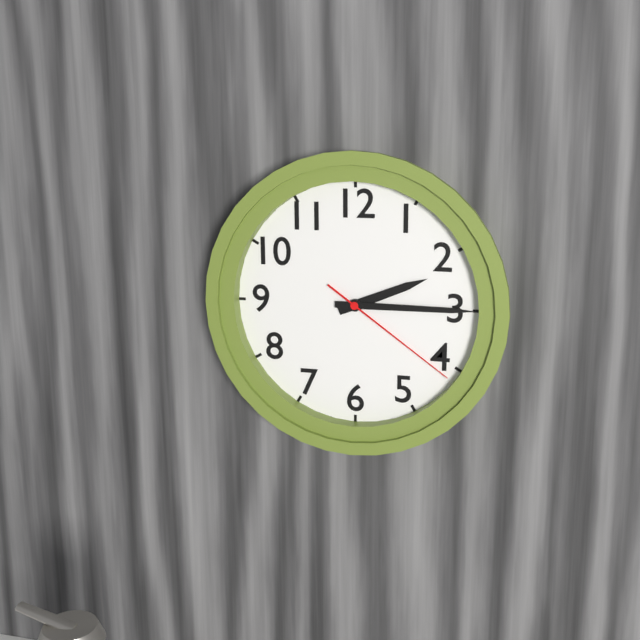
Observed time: **2:15:21**
